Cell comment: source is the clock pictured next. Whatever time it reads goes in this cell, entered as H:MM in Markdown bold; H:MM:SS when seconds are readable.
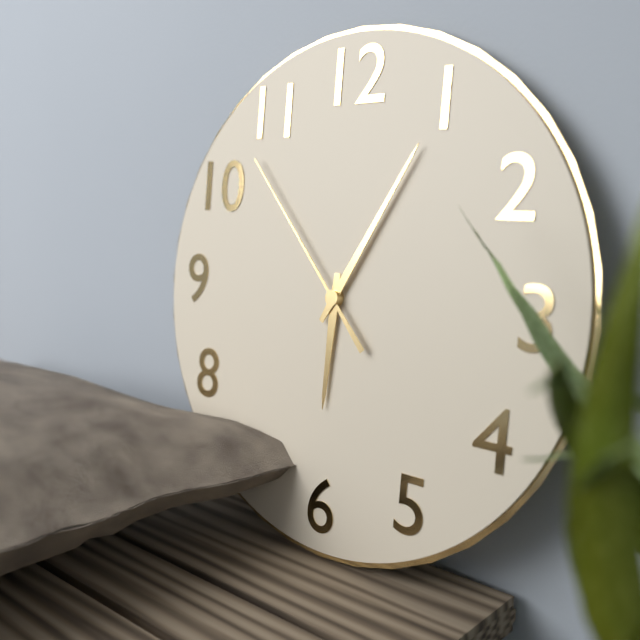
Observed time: **6:05:53**
